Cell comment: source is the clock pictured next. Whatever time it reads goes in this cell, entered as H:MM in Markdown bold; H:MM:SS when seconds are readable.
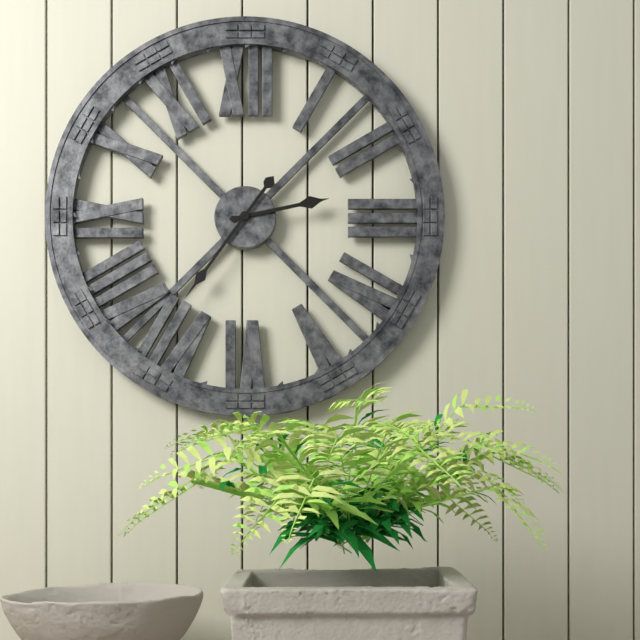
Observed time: **2:36**
